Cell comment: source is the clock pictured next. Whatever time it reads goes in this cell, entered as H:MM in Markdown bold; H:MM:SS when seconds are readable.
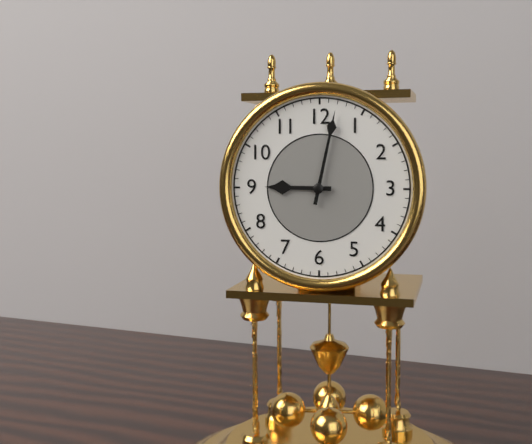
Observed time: **9:02**
